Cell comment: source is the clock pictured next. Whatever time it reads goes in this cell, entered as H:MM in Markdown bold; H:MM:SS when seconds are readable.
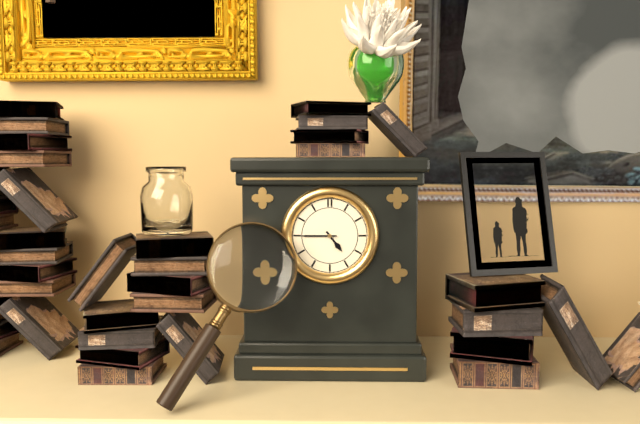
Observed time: **4:45**
